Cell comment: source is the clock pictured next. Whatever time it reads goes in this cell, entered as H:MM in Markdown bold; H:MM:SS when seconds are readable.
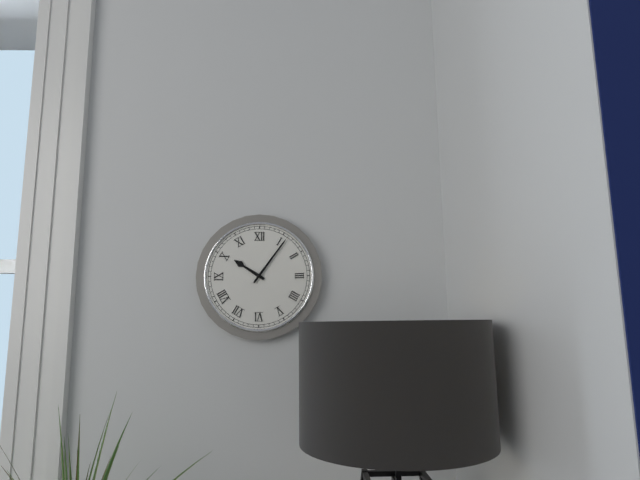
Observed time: **10:06**
